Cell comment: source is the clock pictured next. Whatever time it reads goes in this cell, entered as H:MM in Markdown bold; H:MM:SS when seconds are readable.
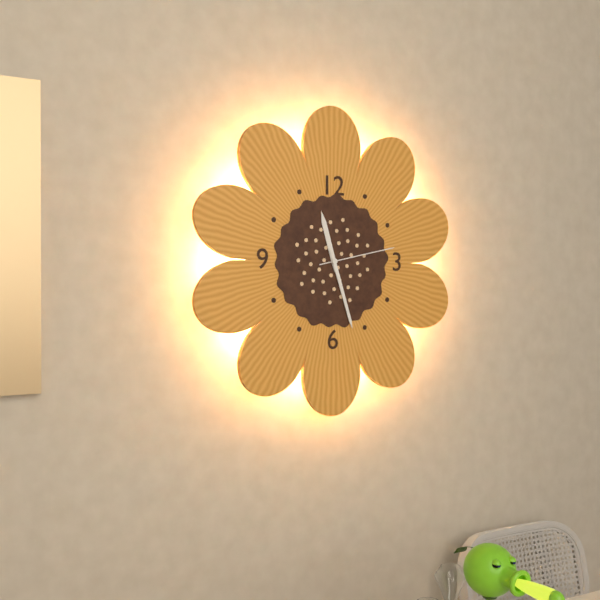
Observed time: **11:27:13**
